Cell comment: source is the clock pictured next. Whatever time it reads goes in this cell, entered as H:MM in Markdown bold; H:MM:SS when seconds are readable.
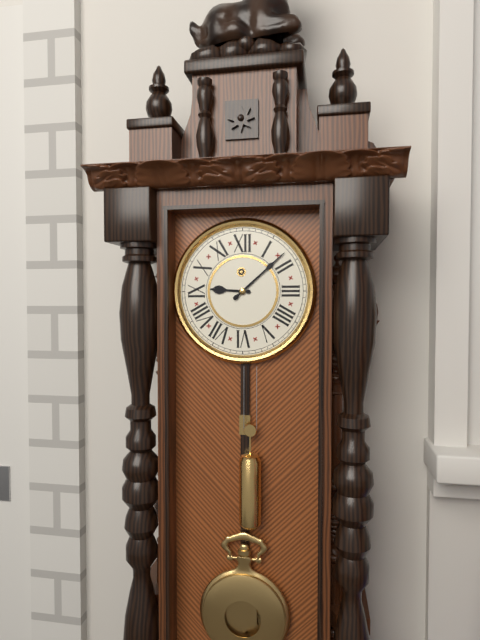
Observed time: **9:08**
